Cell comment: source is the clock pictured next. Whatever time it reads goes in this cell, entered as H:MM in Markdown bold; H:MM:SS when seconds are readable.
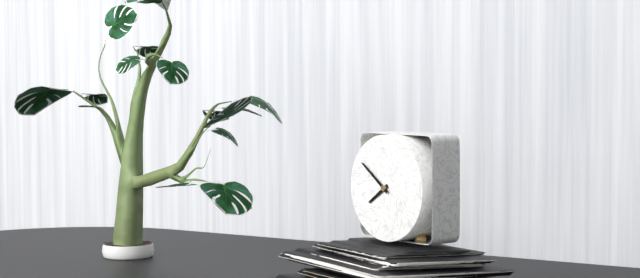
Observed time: **7:51**
